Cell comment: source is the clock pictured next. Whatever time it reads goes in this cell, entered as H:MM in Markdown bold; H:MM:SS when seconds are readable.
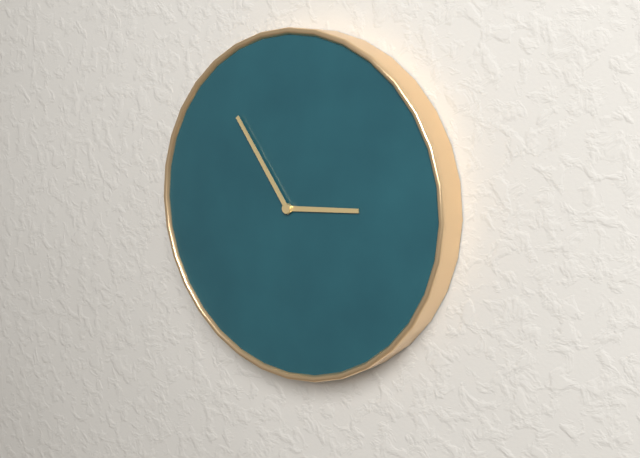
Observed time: **2:54**
